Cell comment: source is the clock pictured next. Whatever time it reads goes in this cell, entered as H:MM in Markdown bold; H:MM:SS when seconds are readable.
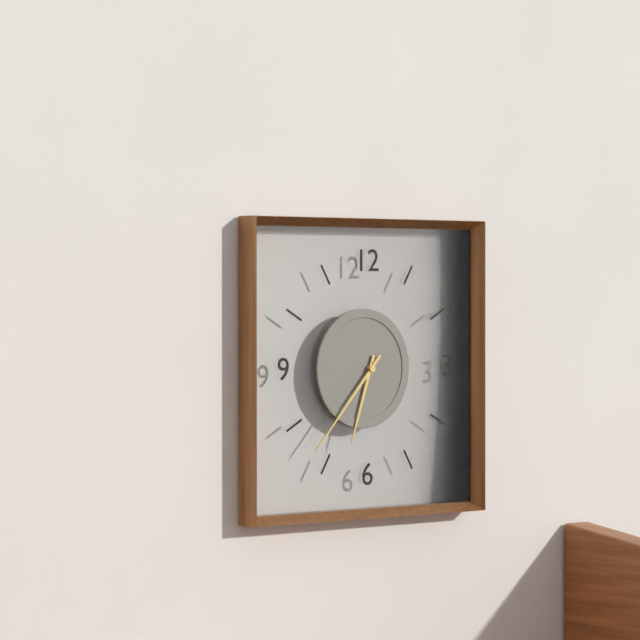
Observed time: **6:37**
